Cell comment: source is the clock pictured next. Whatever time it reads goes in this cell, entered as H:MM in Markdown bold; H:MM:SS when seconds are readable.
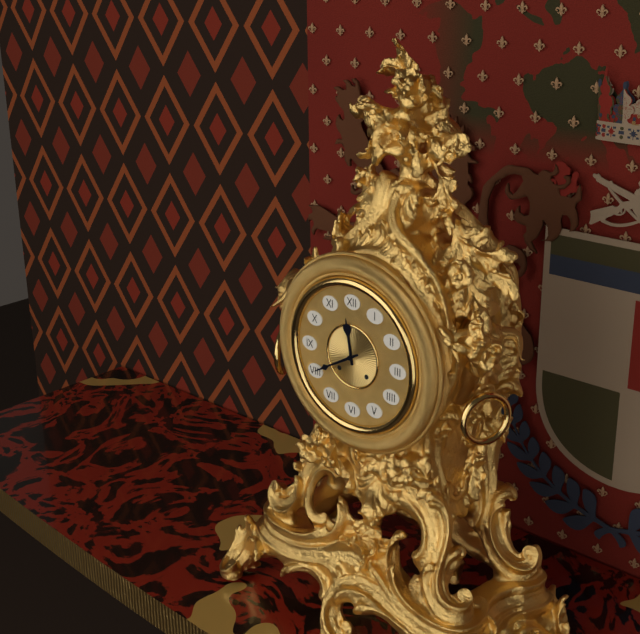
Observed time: **11:40**
